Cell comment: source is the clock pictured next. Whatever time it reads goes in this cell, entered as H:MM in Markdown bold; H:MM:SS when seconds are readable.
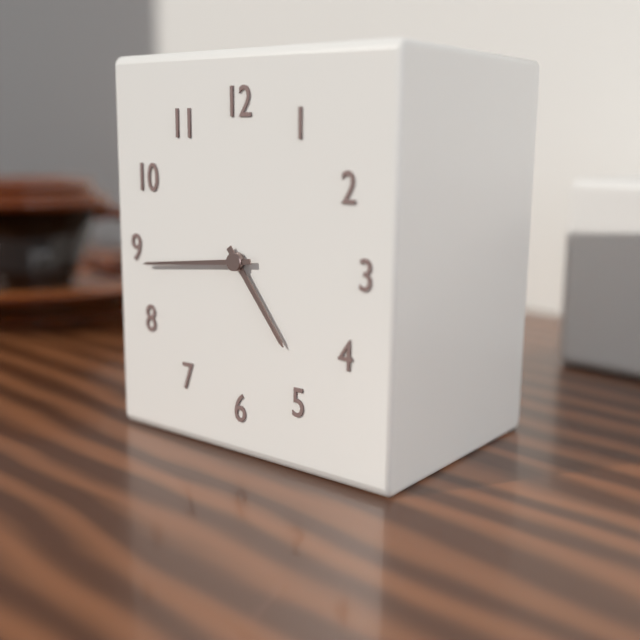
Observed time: **4:44**
